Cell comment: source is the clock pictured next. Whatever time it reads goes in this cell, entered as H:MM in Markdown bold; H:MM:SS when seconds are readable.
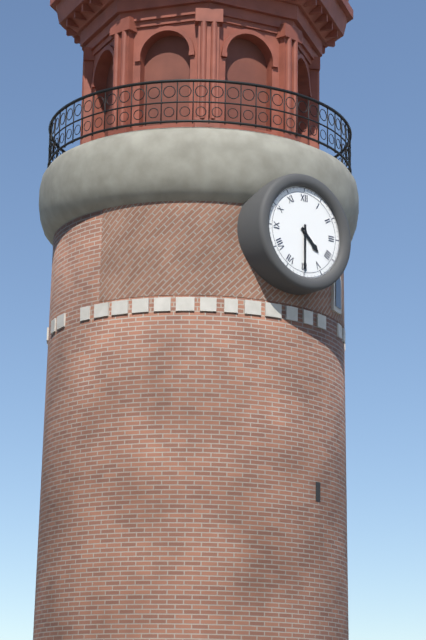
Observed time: **4:30**
